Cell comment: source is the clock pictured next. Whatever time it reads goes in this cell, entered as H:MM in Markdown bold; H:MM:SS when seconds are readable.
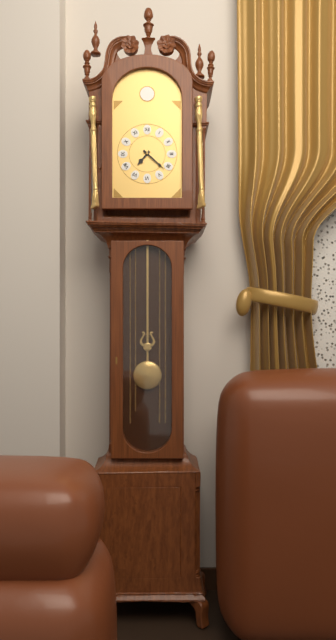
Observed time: **7:22**
